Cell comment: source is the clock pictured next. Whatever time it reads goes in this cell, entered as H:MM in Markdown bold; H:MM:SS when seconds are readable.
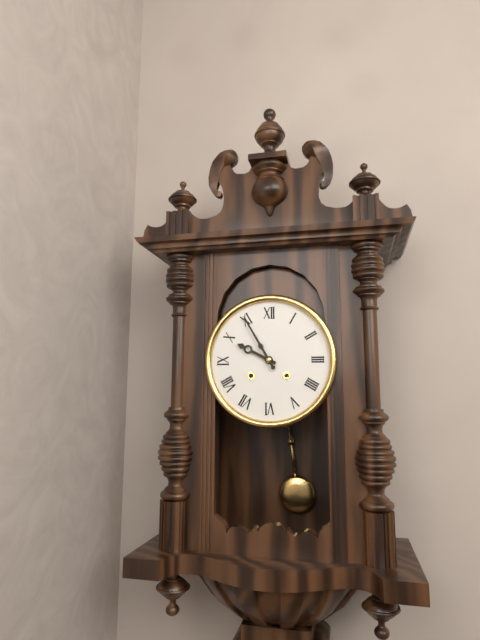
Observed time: **9:55**
